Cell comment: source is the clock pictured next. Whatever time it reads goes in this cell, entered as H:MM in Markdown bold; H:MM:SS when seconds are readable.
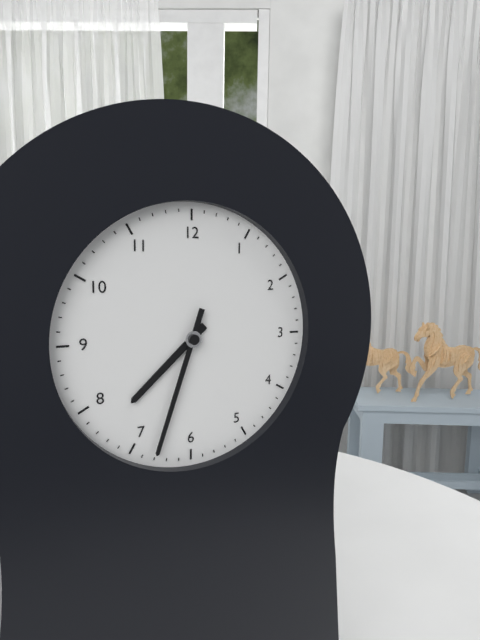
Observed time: **7:33**
